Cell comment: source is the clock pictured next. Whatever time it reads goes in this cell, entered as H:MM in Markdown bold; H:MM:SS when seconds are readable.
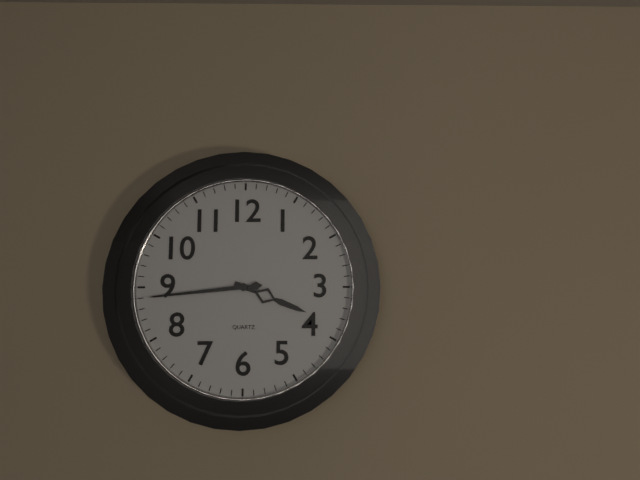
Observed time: **3:44**
